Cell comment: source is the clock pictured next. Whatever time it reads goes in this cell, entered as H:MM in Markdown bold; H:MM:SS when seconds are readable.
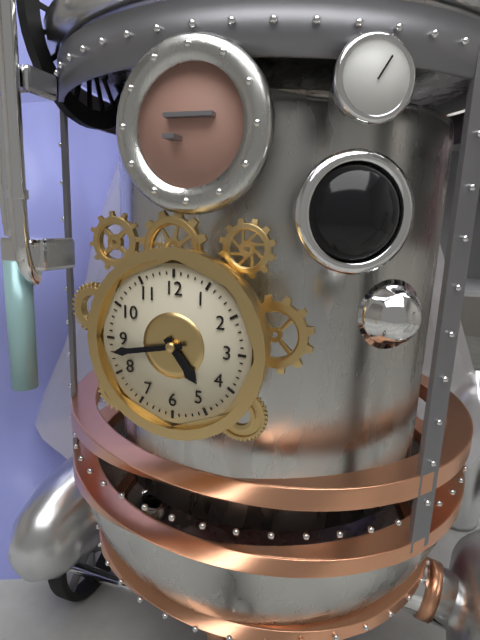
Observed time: **4:43**
